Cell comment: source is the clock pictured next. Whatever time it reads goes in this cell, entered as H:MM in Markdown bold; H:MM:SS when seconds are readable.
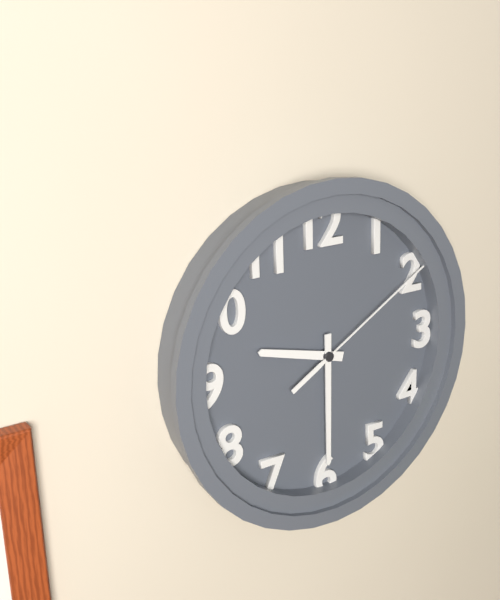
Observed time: **9:30:10**
